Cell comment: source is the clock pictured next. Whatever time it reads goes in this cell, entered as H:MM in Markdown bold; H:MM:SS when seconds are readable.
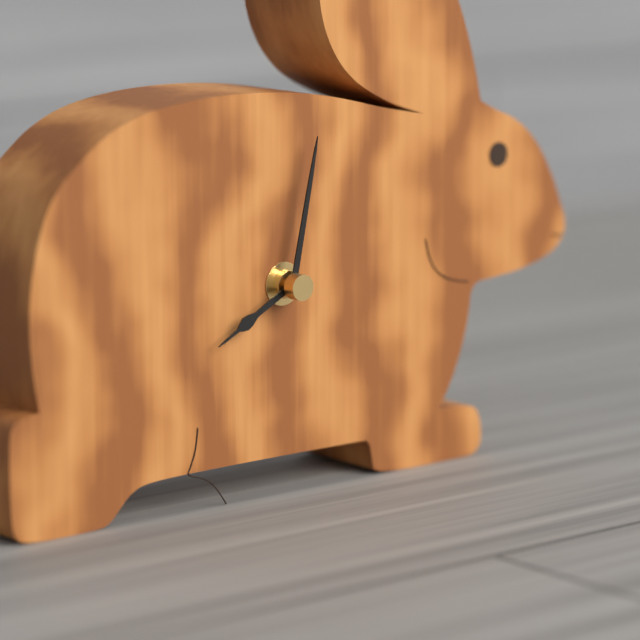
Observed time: **8:02**
